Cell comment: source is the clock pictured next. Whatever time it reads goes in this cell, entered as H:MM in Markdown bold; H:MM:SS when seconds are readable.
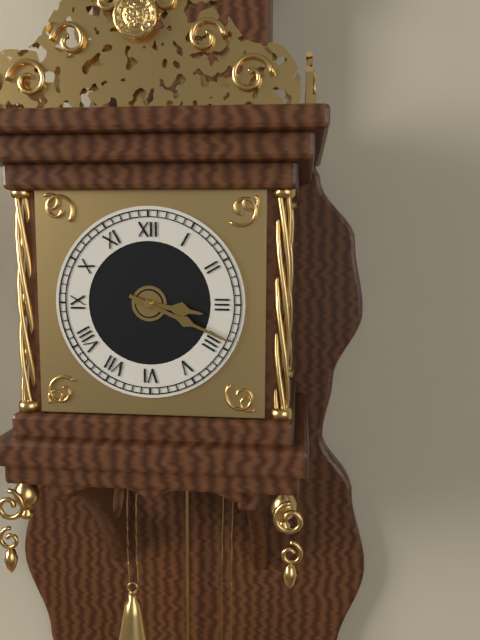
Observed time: **3:19**
